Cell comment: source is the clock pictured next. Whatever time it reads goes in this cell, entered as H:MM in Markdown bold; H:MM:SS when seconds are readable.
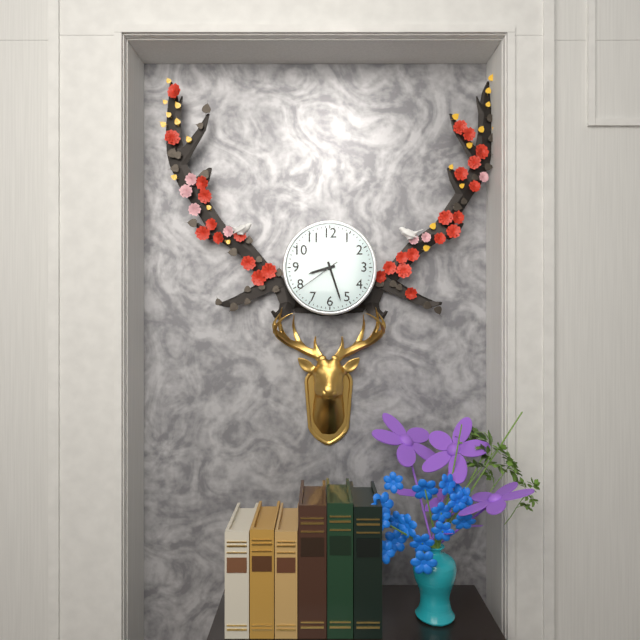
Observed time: **8:27**
